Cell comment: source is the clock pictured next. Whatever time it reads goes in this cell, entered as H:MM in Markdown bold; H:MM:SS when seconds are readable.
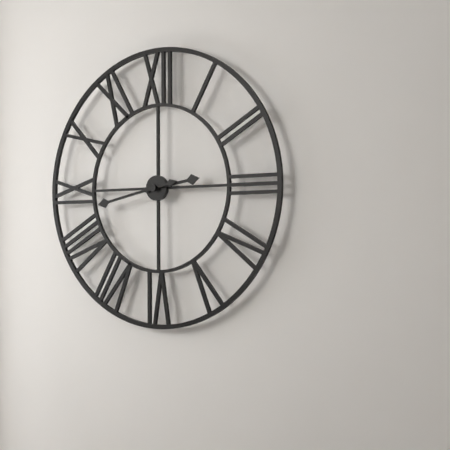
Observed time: **2:43**
